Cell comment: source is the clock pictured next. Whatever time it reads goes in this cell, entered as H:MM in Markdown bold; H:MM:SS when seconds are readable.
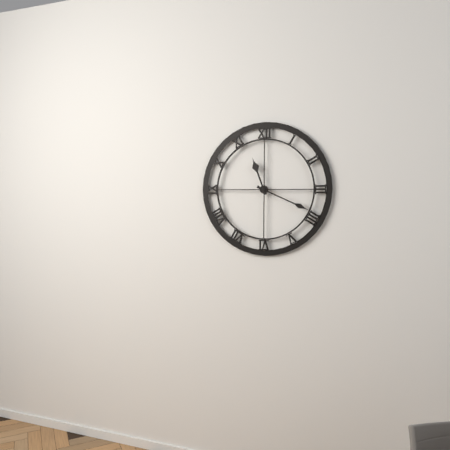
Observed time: **11:19**
